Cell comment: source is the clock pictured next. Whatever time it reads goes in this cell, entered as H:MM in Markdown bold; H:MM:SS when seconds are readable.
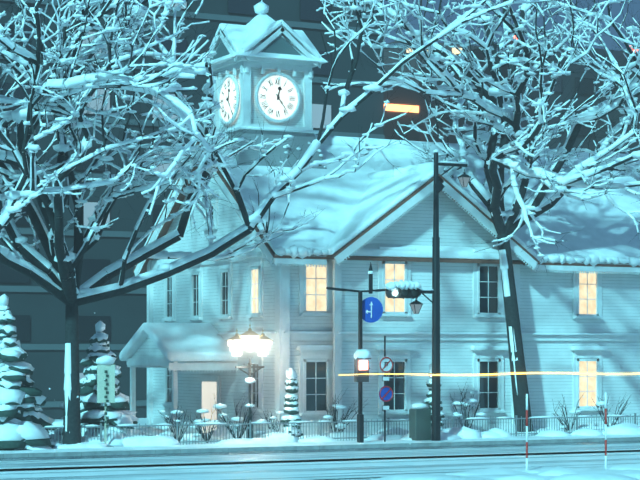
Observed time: **12:24**
